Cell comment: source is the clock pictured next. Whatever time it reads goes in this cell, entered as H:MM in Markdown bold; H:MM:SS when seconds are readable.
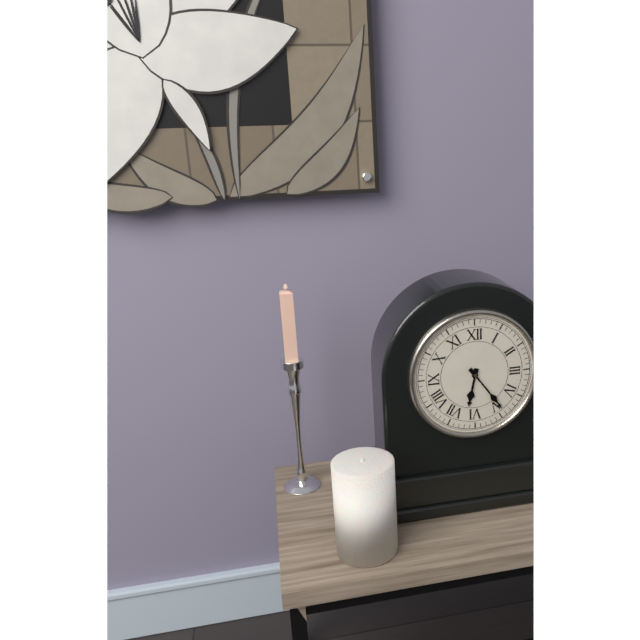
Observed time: **6:24**
